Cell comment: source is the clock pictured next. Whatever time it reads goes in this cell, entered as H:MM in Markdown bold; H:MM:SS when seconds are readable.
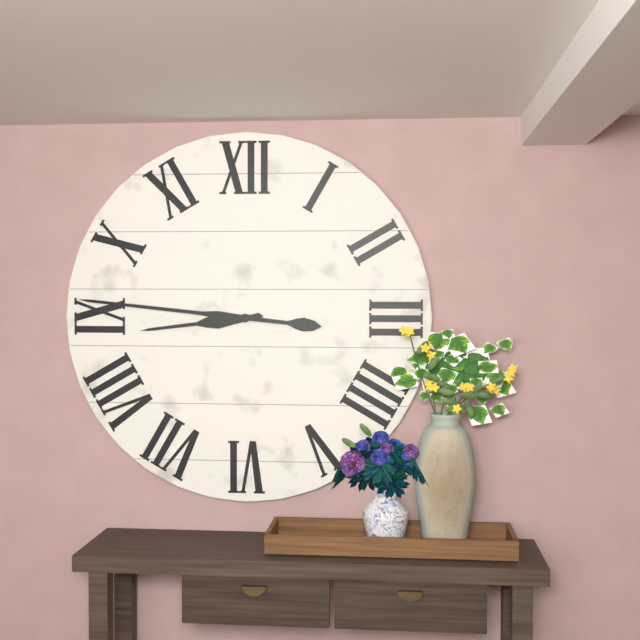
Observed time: **8:46**
